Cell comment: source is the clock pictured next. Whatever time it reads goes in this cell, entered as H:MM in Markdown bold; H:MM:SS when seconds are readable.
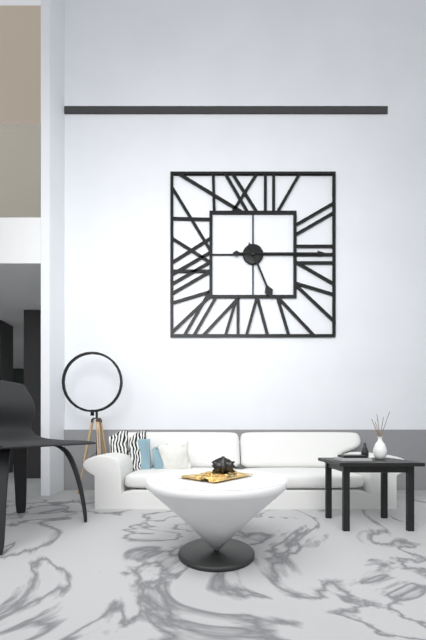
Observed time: **5:15**
